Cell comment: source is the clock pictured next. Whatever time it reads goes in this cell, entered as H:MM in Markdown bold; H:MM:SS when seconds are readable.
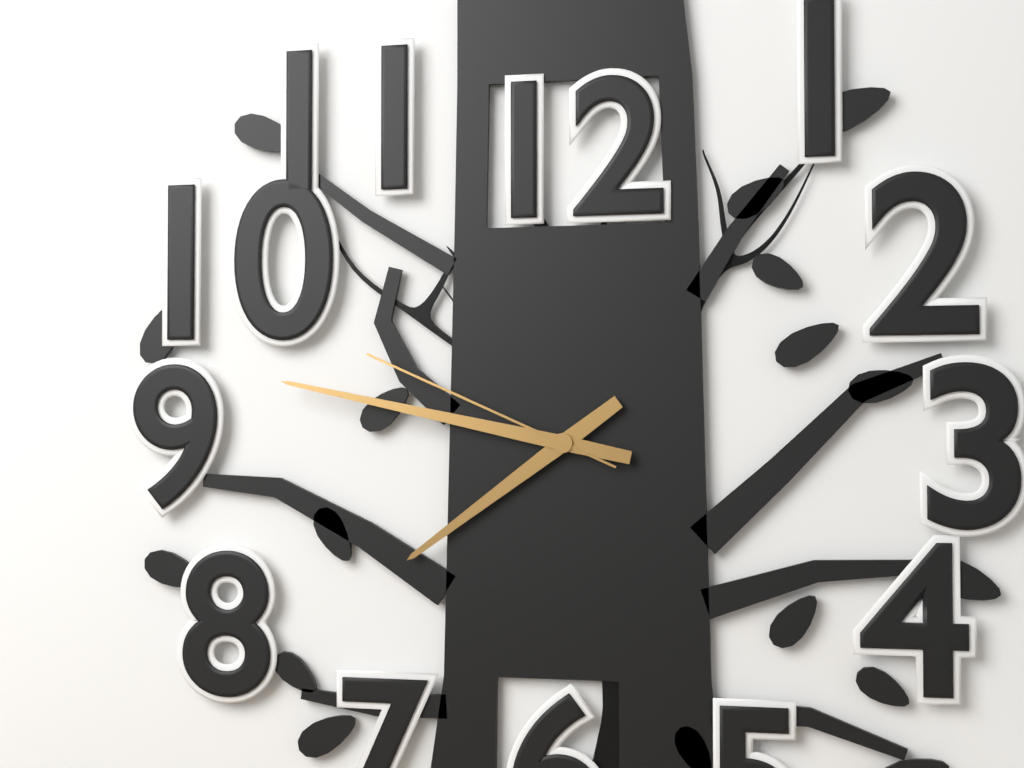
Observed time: **7:47:49**
